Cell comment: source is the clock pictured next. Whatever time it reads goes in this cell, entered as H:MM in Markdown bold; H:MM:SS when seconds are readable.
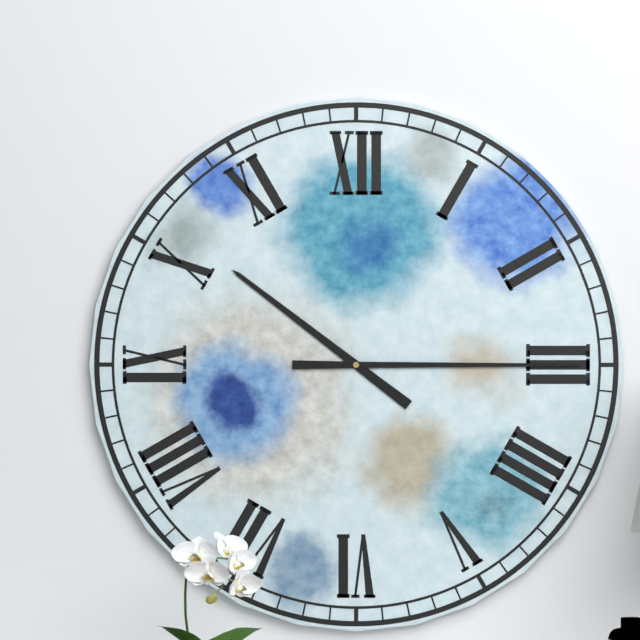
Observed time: **10:15**
